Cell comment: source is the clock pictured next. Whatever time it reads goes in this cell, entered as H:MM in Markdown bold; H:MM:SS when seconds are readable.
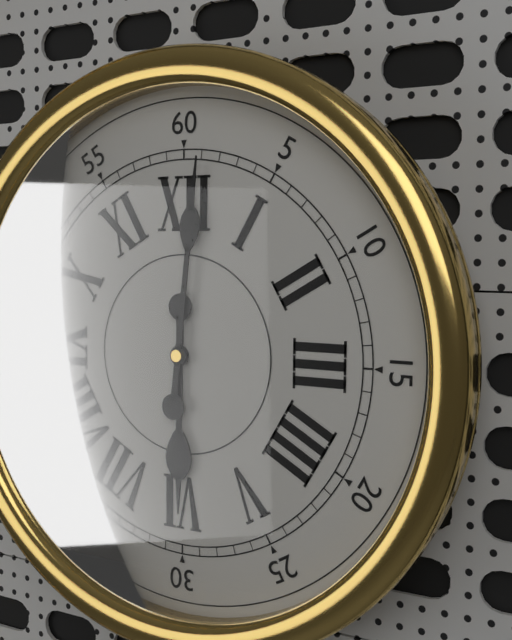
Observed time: **6:01**
